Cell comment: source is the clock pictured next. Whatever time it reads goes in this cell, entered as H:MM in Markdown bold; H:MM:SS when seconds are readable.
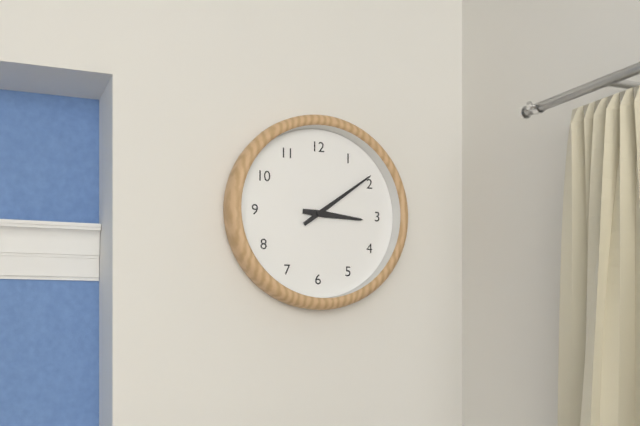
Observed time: **3:09**
